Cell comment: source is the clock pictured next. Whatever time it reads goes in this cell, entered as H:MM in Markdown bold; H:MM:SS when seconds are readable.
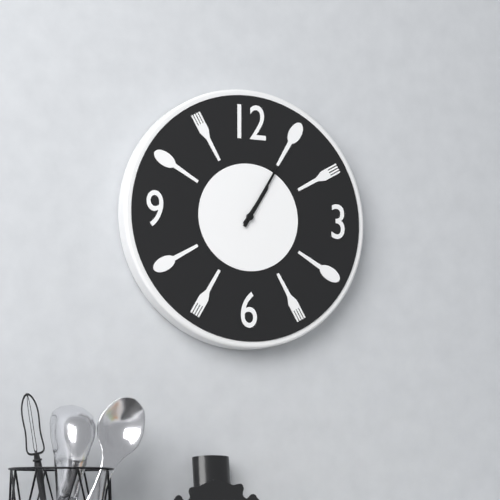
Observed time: **1:05**
